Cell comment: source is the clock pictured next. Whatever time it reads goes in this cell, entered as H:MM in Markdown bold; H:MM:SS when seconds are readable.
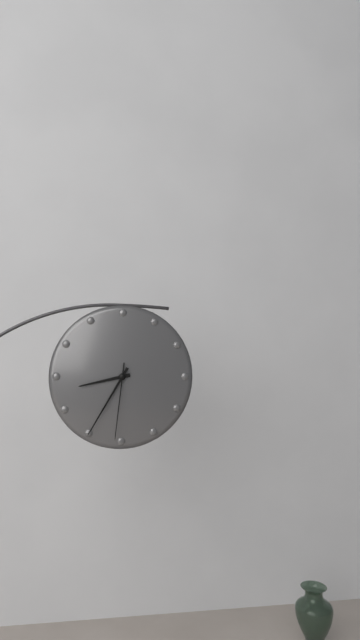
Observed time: **8:35:31**
